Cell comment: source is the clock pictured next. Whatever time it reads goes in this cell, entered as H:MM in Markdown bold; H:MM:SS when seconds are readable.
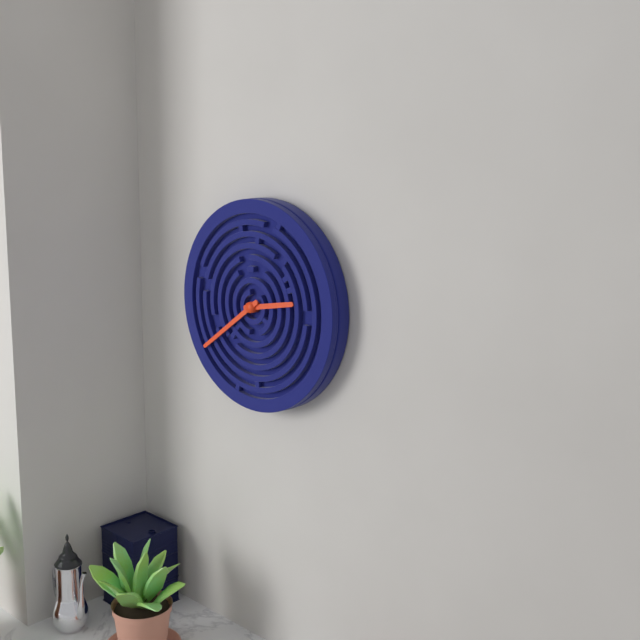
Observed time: **2:39**
